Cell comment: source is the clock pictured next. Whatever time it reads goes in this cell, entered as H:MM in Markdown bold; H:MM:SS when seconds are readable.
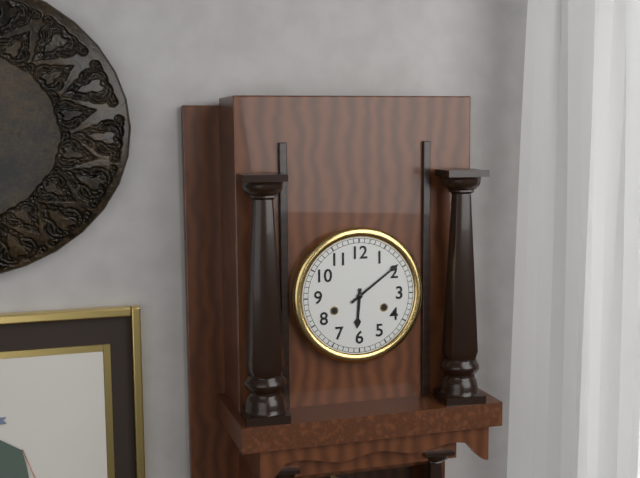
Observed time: **6:09**
